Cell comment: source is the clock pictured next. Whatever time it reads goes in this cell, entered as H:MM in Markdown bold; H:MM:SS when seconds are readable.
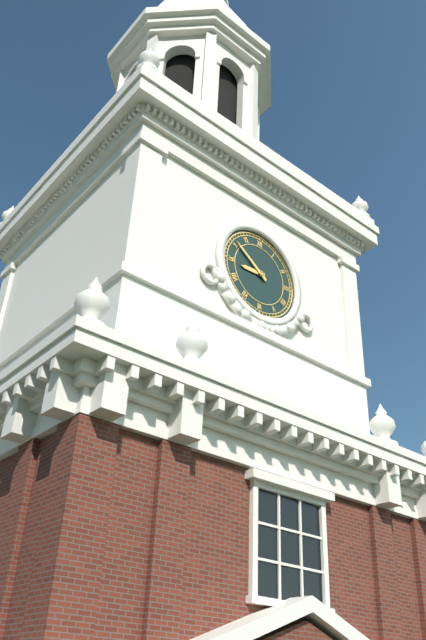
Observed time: **8:51**
